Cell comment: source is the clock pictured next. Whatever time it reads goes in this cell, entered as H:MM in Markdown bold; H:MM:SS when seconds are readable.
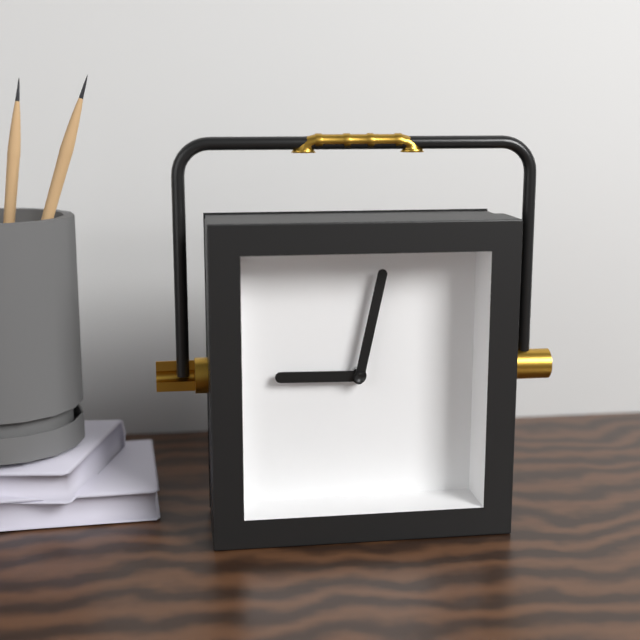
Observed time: **9:02**
